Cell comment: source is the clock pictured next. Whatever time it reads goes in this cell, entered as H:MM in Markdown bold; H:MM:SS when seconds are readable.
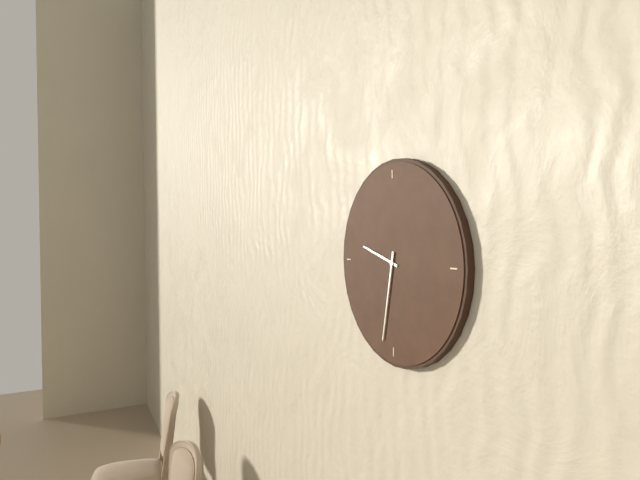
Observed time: **9:32**
